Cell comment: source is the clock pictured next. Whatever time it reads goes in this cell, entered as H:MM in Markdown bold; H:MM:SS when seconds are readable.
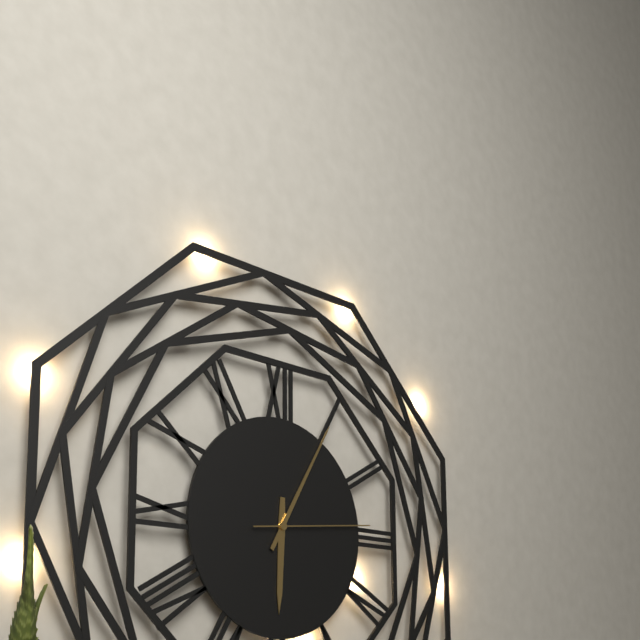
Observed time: **6:05:14**
